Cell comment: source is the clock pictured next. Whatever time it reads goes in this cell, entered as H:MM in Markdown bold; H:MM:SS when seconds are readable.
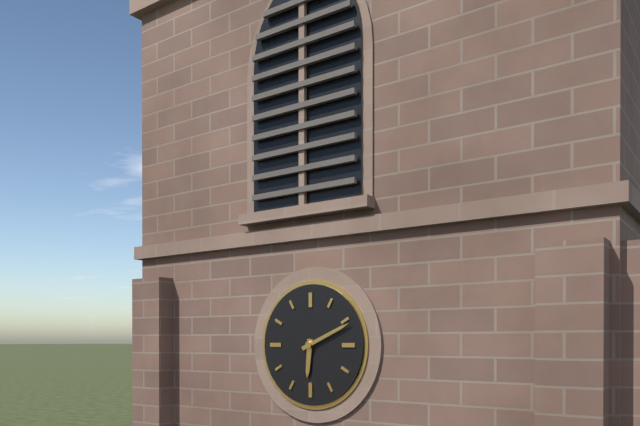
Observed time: **6:11**
